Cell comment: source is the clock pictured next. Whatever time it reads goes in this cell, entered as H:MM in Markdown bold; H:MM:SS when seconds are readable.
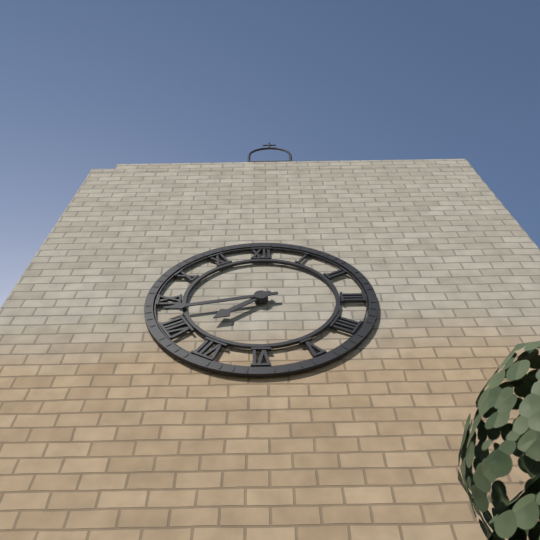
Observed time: **7:43**
